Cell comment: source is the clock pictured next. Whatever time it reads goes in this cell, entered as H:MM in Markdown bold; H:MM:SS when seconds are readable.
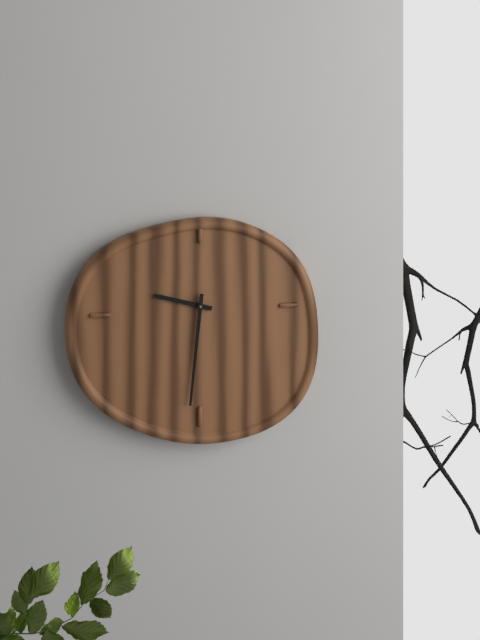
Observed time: **9:31**
